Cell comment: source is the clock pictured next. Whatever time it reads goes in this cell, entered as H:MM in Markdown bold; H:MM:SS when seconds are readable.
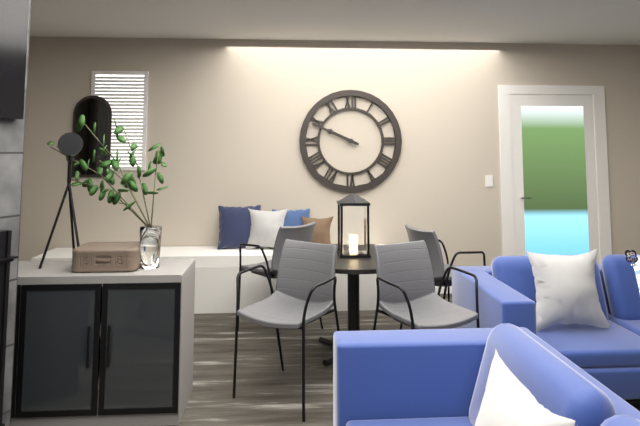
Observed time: **9:49**
